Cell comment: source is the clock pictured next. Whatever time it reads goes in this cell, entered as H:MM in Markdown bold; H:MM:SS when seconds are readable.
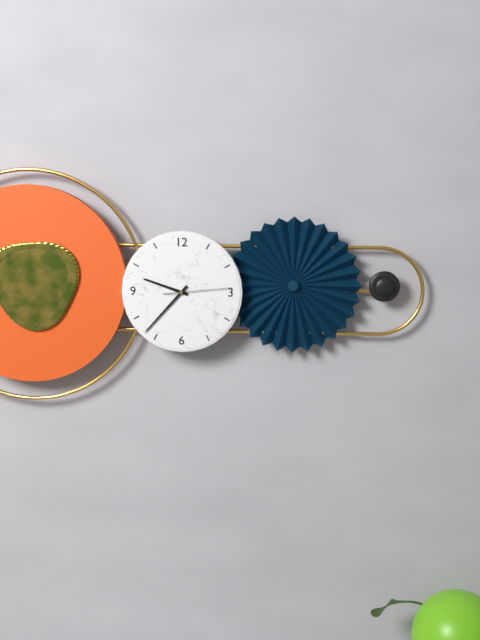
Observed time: **9:37:14**
